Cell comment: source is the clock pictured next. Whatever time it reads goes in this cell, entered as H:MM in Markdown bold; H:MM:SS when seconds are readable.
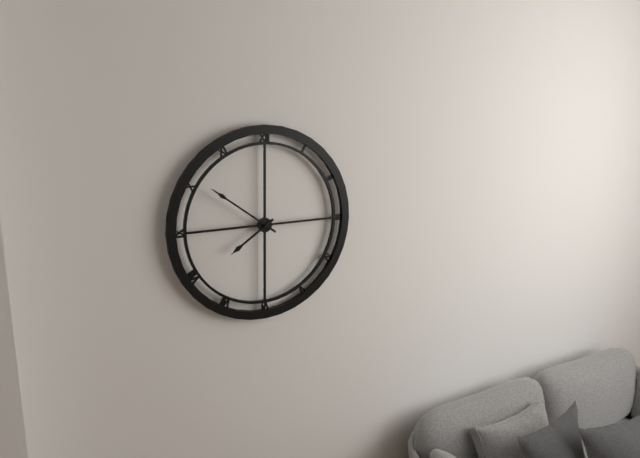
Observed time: **7:51**
